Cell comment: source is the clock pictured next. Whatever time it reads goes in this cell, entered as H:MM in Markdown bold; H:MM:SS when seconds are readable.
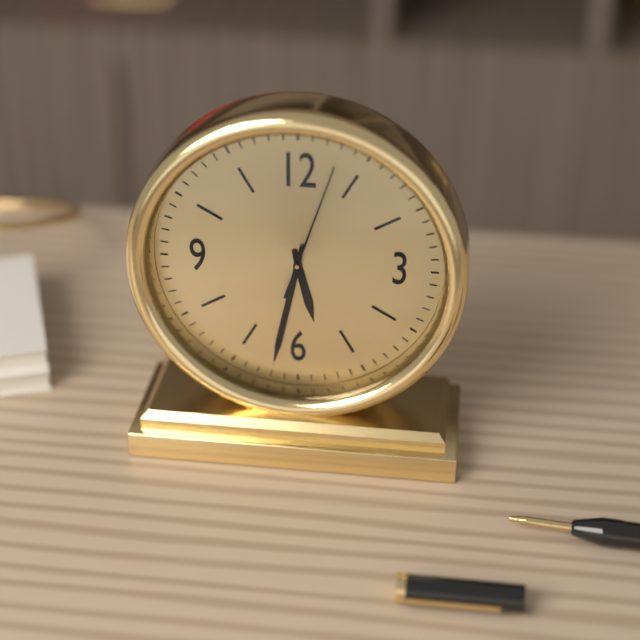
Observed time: **5:32:03**
